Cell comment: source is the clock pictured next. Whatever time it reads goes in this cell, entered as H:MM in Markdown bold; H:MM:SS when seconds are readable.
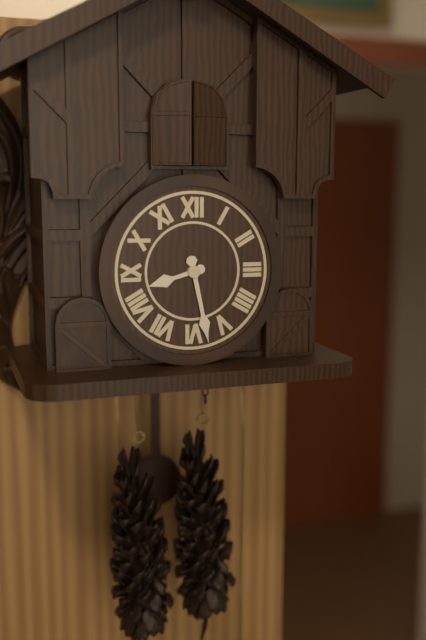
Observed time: **8:28**
